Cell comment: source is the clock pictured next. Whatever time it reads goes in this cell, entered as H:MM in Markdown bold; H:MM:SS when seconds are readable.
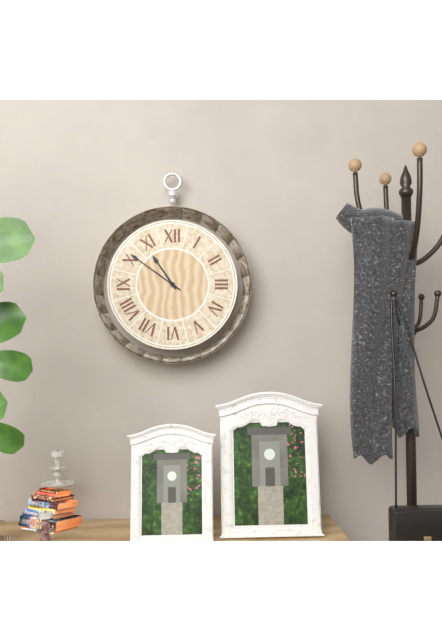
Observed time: **10:51**
